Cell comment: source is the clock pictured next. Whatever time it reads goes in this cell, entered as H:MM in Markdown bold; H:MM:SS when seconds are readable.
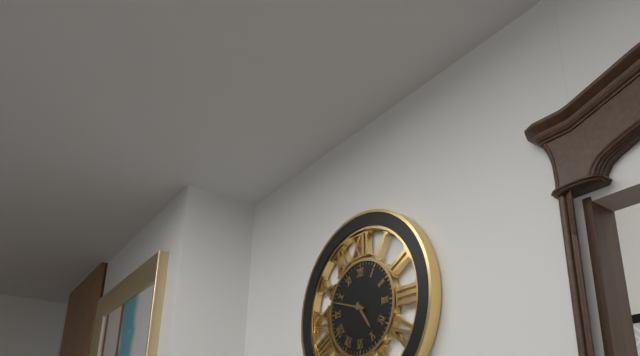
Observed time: **4:48**
